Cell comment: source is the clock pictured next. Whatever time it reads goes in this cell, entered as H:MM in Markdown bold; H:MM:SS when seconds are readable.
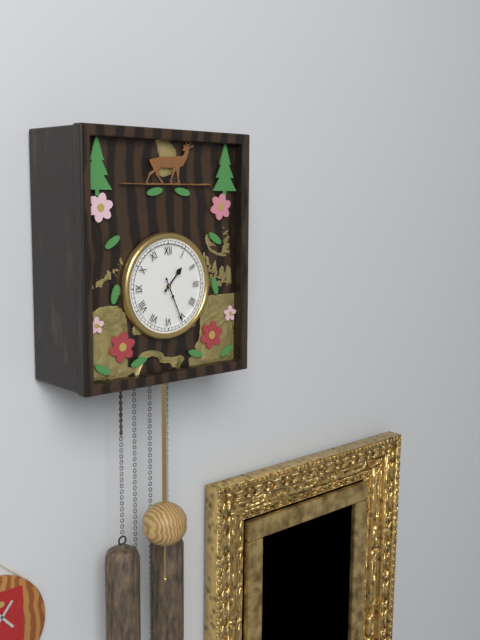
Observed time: **1:26**
